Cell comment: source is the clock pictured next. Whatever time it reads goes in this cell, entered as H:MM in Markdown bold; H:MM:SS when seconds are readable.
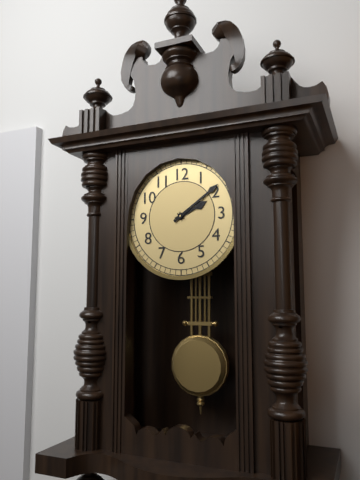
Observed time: **2:09**
